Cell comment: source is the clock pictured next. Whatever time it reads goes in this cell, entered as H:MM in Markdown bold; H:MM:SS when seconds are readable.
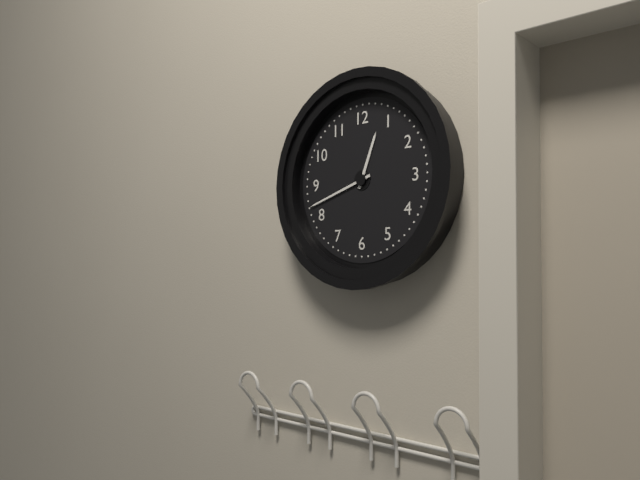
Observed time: **12:42**
